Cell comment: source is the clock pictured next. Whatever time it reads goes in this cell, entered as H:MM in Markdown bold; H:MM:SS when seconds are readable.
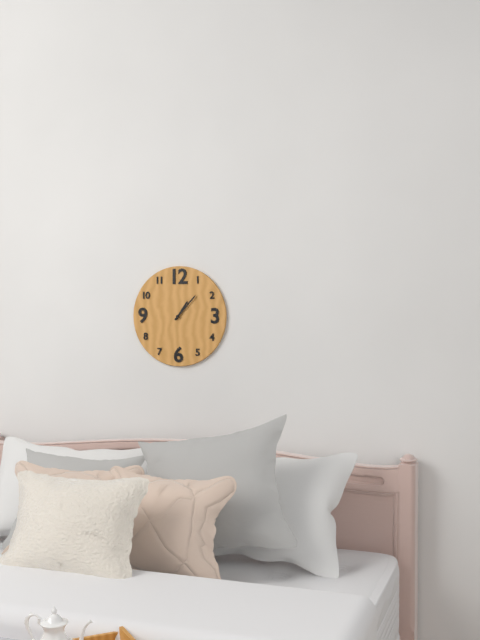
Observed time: **1:07**
